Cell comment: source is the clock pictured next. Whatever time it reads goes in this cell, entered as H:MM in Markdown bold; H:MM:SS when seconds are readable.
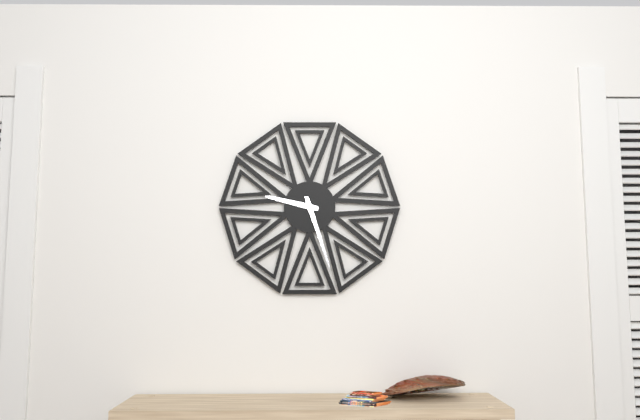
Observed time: **9:27**
